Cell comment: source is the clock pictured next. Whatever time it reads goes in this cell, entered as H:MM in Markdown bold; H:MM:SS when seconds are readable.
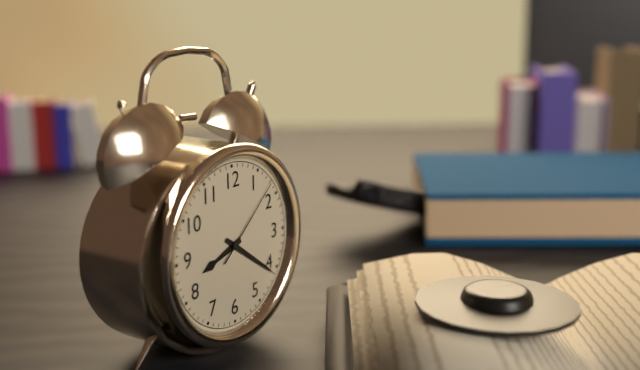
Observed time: **8:21:08**
